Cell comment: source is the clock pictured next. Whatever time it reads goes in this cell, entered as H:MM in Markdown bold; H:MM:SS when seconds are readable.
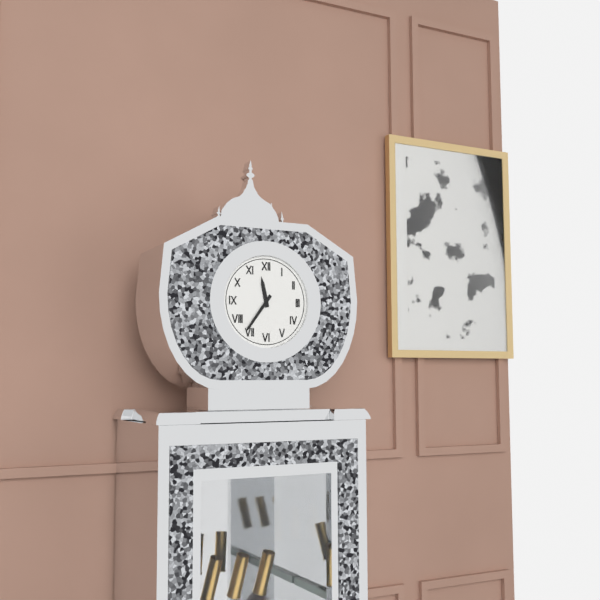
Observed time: **11:36**
